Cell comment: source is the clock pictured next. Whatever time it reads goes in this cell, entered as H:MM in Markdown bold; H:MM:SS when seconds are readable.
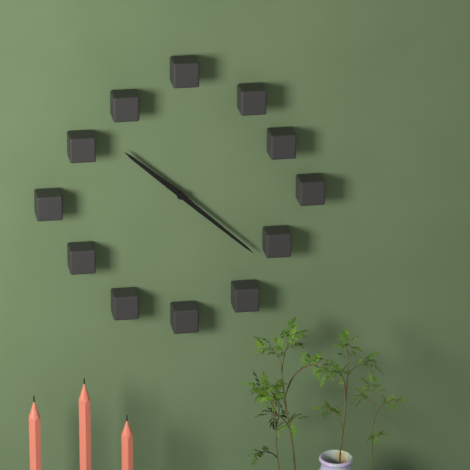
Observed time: **10:22**
